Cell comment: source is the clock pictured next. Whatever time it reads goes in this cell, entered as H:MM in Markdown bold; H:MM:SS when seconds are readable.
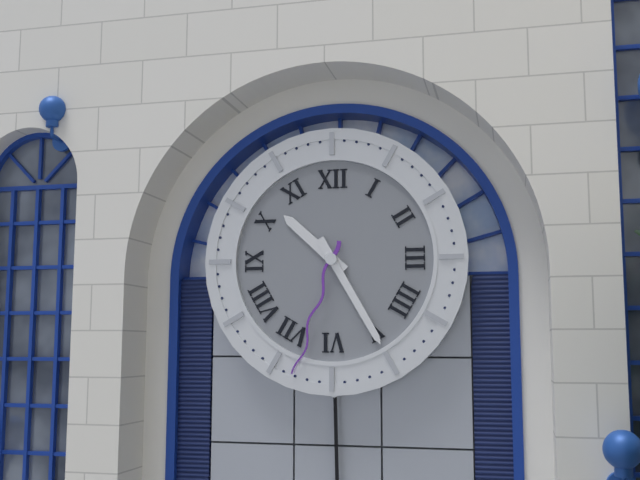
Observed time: **10:25:33**
